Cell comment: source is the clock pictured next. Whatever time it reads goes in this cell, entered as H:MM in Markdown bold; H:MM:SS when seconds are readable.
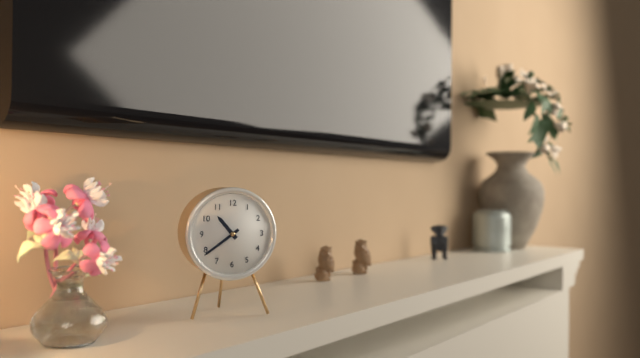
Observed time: **10:39**
